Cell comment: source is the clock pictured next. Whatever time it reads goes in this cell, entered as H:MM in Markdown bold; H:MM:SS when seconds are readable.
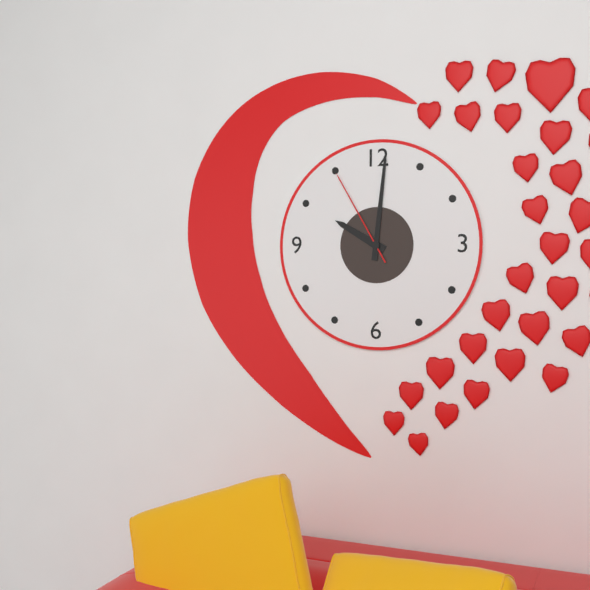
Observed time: **10:01:55**
